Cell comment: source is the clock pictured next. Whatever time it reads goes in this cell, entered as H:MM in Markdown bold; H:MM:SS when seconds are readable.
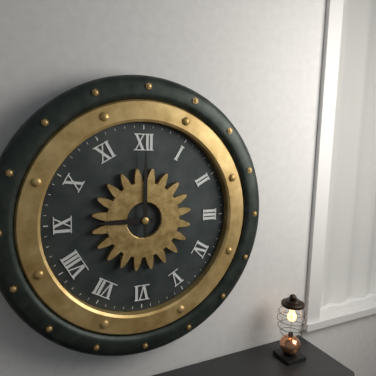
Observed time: **9:00**
